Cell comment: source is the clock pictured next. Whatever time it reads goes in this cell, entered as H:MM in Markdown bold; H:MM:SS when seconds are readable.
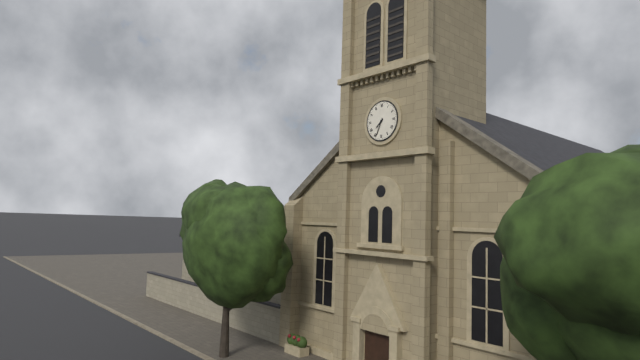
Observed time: **7:34**
